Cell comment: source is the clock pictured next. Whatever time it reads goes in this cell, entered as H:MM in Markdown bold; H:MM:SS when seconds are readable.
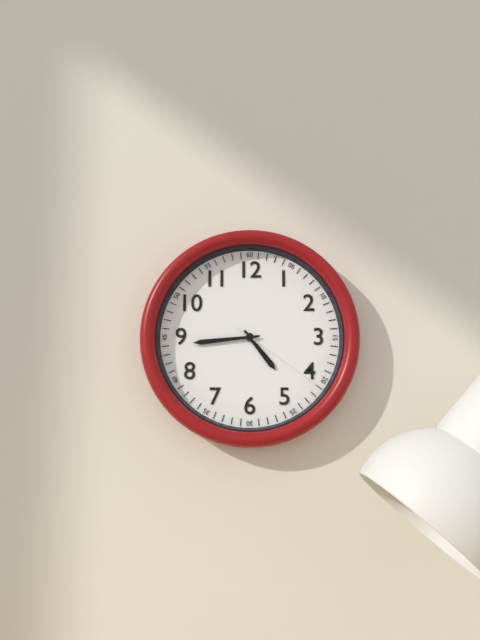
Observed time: **4:44:21**
